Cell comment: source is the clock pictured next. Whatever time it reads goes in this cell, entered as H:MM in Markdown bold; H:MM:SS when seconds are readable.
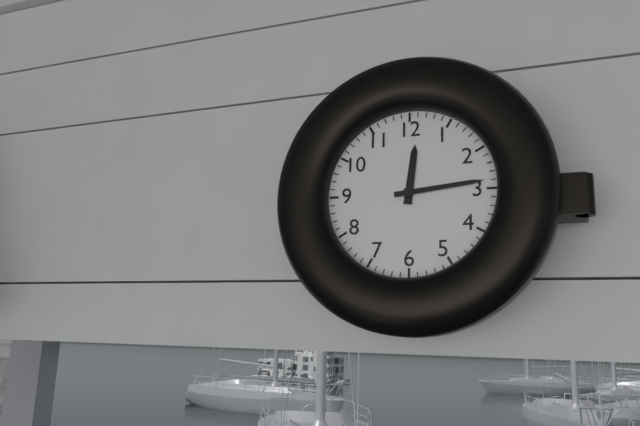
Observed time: **12:14**
